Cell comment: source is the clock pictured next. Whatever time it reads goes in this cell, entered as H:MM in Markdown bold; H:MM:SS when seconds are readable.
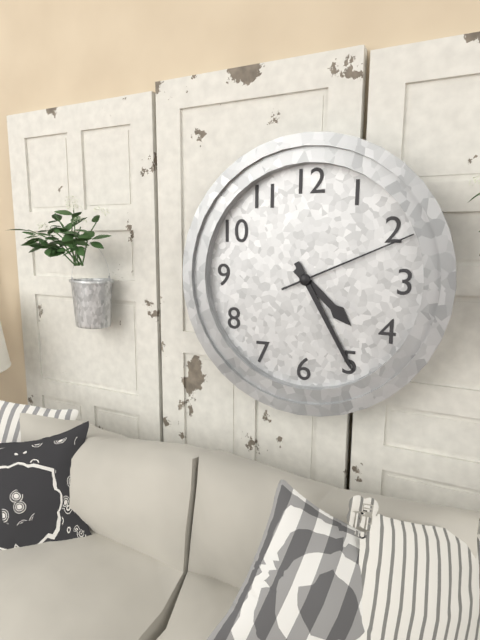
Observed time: **4:25:11**
